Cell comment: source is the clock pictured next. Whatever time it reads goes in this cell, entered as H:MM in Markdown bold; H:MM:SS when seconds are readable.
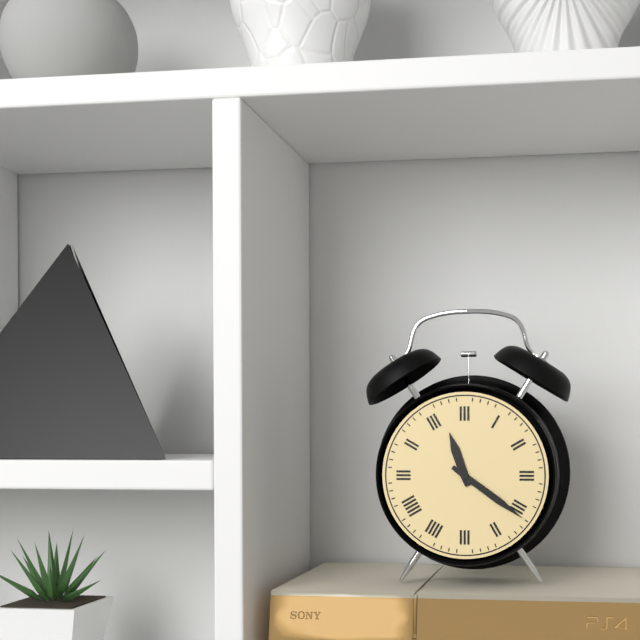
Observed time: **11:21**
